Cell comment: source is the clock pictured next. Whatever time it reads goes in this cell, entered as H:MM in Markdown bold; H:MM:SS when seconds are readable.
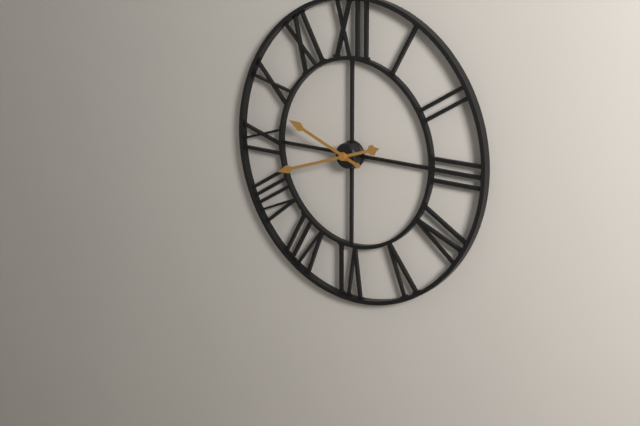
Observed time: **9:42**
